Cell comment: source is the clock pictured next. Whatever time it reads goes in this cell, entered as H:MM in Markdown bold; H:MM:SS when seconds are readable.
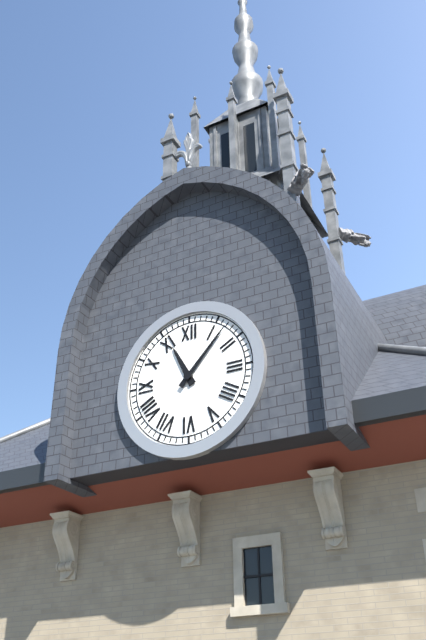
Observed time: **11:07**
